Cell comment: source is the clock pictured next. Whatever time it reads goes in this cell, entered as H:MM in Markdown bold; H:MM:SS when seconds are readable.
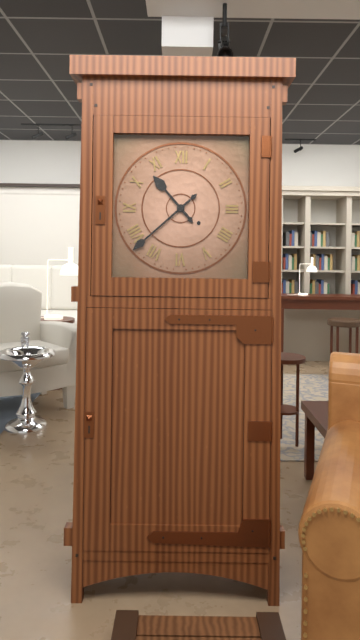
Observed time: **10:38**
